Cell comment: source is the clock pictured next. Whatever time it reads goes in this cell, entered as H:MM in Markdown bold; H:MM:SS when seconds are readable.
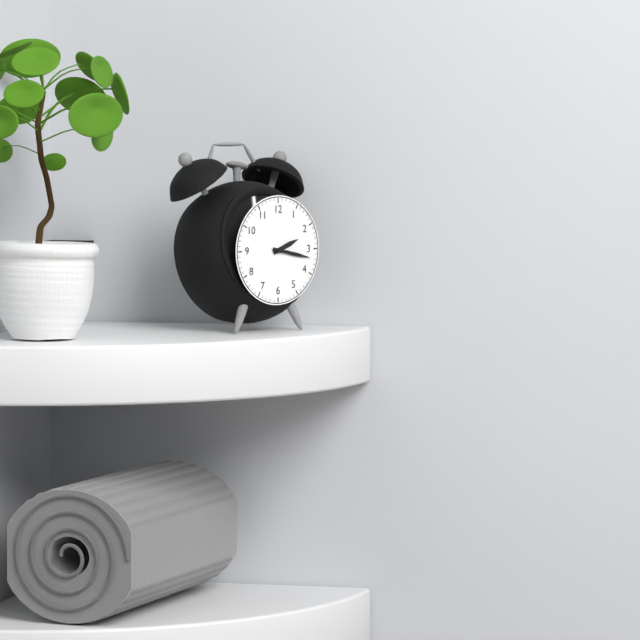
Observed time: **2:17**
